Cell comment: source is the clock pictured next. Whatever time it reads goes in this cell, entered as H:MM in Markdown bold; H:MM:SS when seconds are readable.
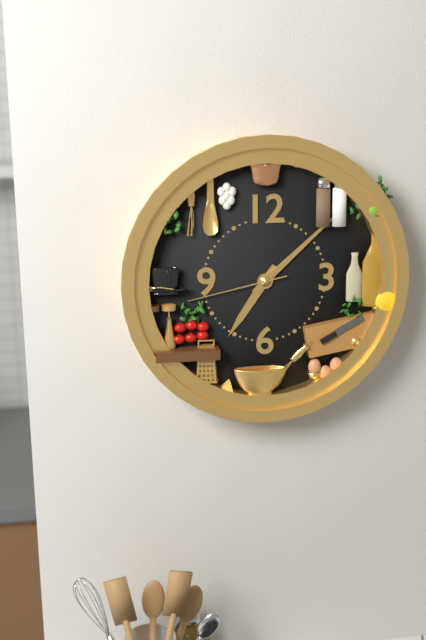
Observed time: **7:08:43**
